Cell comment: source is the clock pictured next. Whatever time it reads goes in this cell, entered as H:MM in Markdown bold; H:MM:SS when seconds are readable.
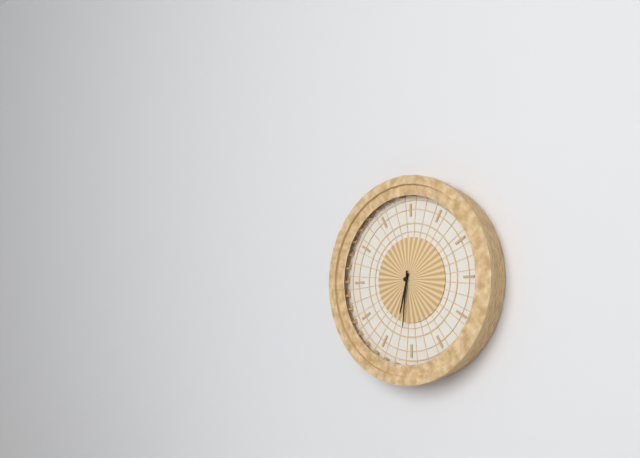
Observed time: **6:31**
